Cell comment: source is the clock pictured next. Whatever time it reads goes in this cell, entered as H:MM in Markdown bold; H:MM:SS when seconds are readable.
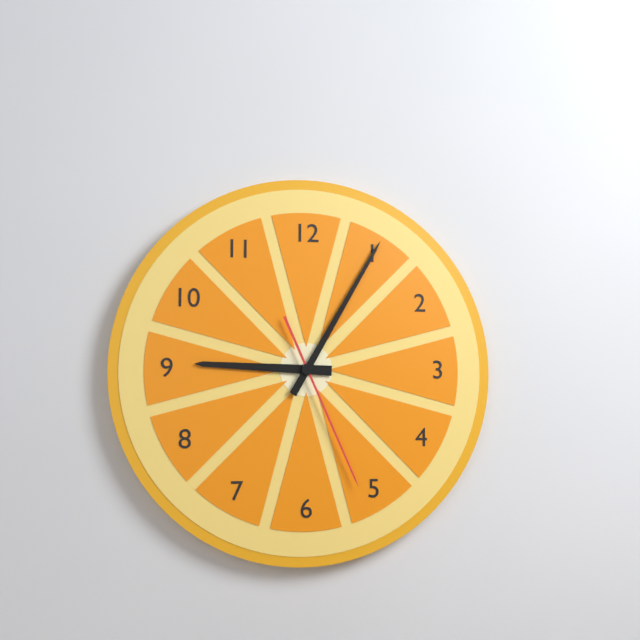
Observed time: **9:05:26**
